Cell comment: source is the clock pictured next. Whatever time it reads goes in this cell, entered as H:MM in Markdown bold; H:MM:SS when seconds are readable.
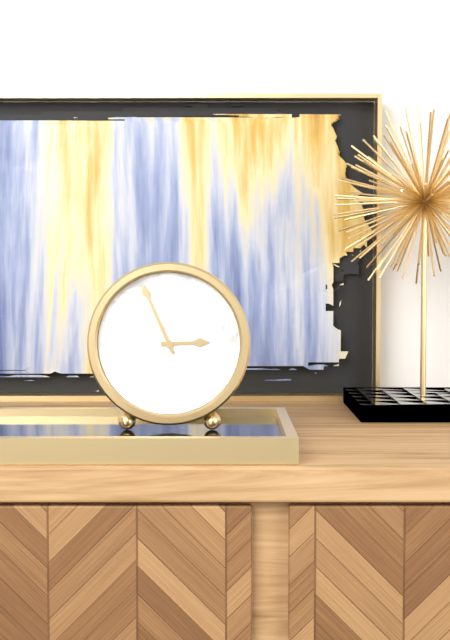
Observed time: **2:56**
